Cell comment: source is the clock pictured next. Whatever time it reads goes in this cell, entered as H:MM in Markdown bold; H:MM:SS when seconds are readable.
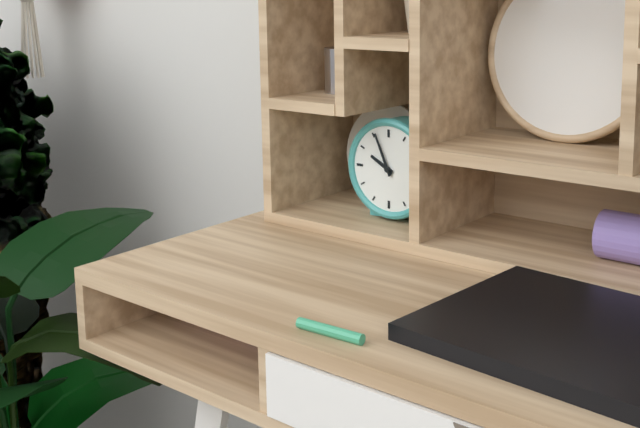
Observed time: **9:56**
